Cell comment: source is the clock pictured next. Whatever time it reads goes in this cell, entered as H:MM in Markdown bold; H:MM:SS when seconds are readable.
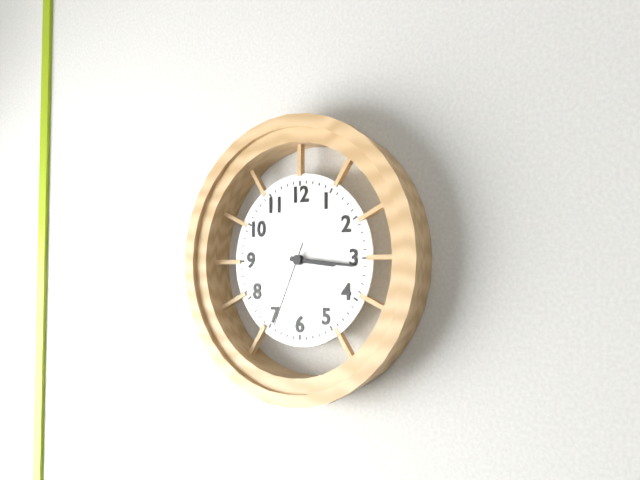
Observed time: **3:16:34**
